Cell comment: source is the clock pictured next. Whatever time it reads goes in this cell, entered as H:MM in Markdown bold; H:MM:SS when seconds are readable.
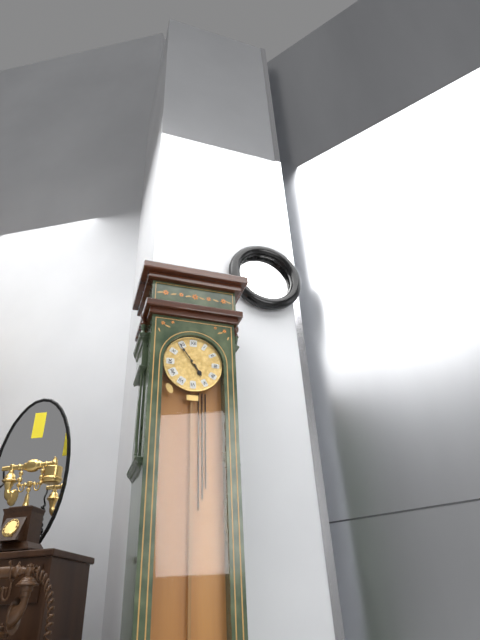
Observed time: **4:54**
